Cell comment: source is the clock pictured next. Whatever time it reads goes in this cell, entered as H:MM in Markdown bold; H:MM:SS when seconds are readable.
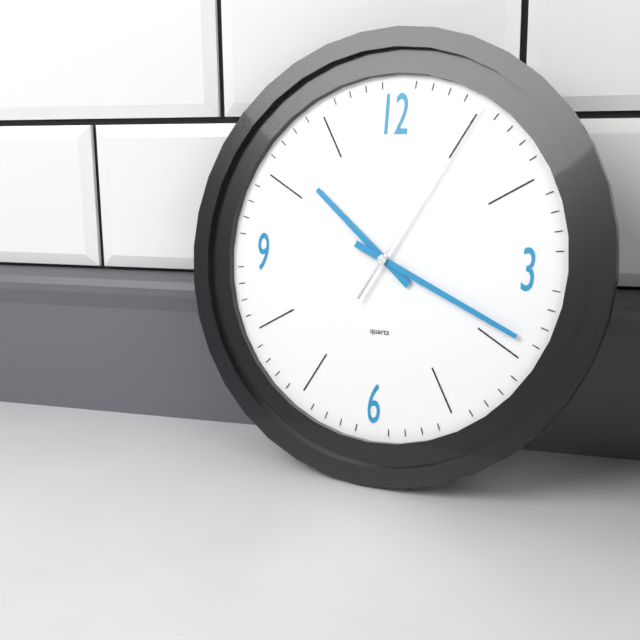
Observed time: **10:19:05**
